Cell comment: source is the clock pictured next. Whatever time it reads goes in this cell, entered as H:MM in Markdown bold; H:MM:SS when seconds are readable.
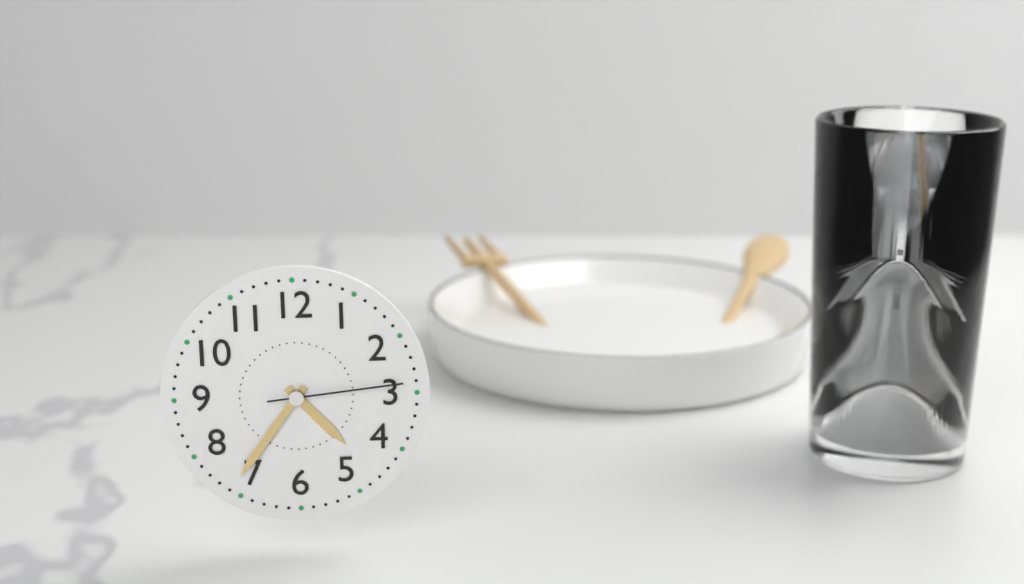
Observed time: **4:36:14**
